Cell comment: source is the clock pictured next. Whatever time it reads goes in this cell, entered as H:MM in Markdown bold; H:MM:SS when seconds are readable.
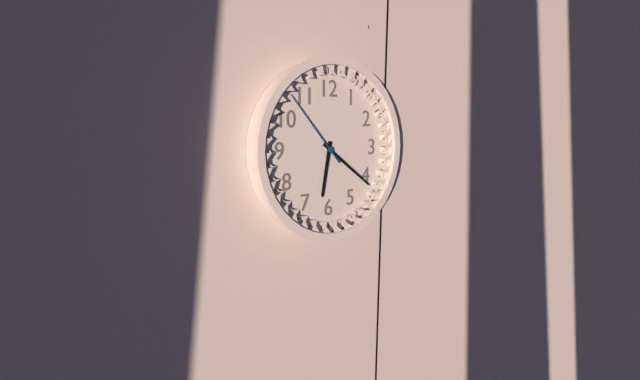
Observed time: **6:21:53**
